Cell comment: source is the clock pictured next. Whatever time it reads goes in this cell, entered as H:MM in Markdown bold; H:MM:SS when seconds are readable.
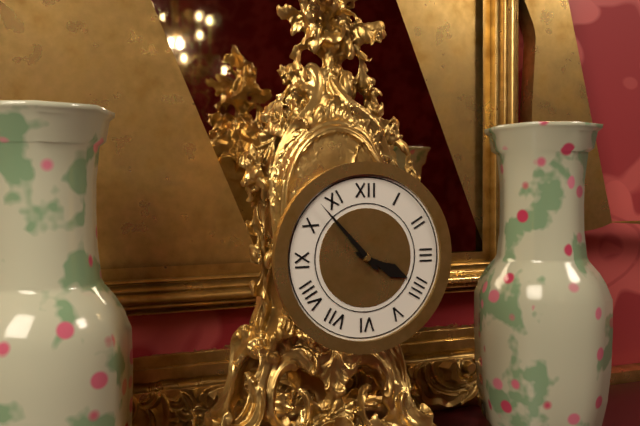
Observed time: **3:53**
